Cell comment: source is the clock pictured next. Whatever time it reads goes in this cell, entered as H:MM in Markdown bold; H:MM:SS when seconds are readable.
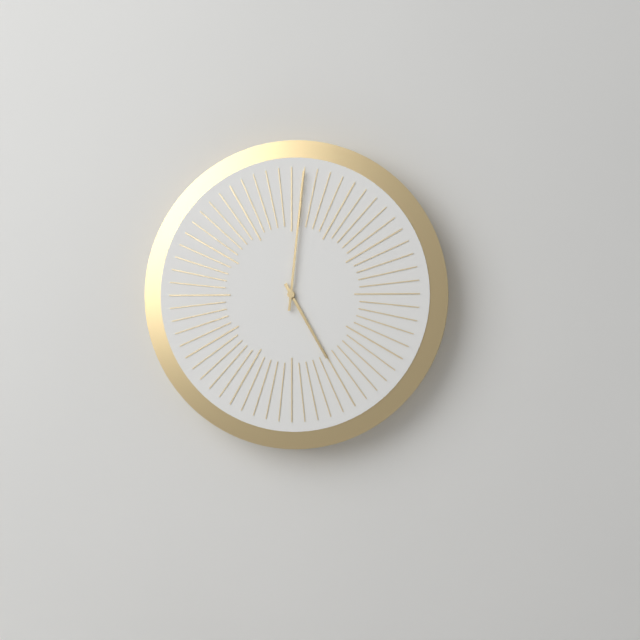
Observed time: **5:01**
